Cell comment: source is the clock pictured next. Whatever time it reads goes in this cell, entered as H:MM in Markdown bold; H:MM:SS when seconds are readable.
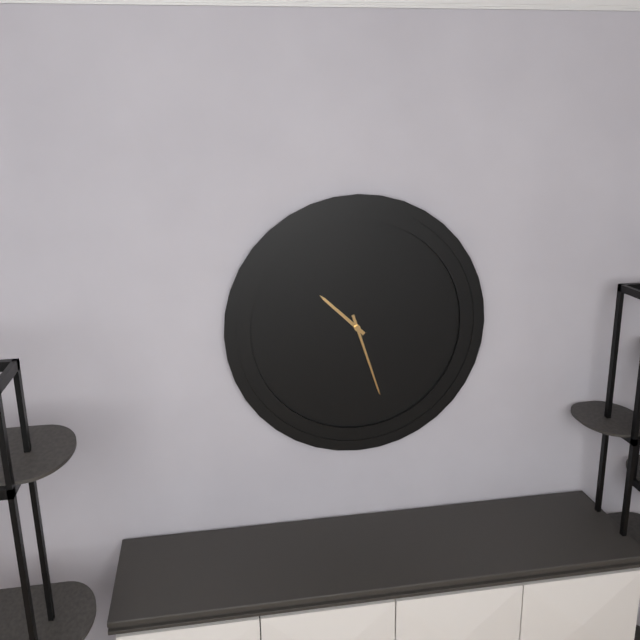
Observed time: **10:27**
